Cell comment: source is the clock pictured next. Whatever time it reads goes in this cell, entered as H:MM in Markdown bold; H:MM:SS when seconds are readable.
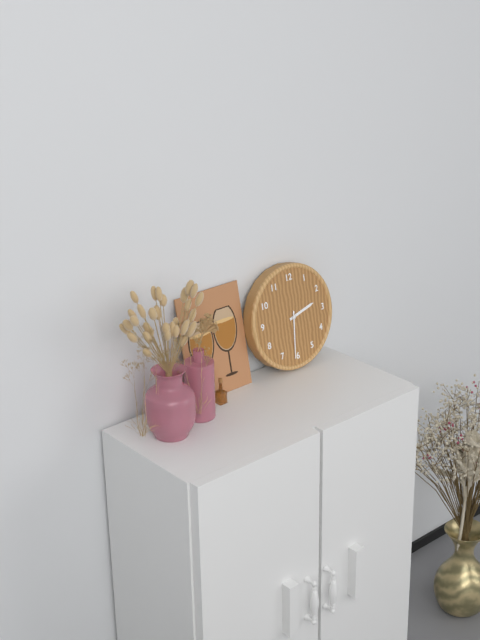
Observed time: **2:31**
